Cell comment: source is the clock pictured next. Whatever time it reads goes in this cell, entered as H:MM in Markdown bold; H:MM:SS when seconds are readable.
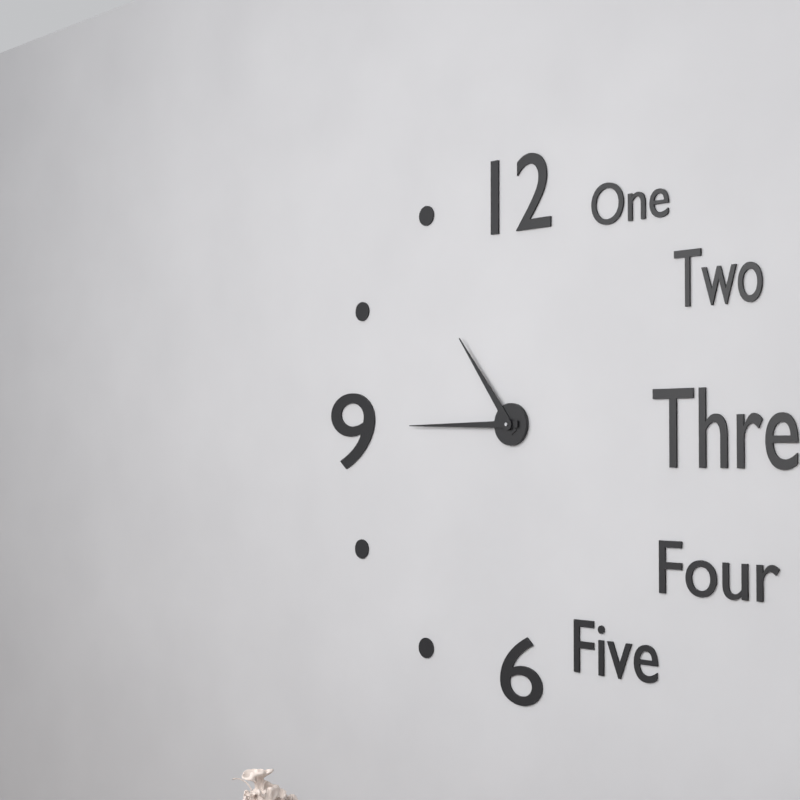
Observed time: **10:45**
